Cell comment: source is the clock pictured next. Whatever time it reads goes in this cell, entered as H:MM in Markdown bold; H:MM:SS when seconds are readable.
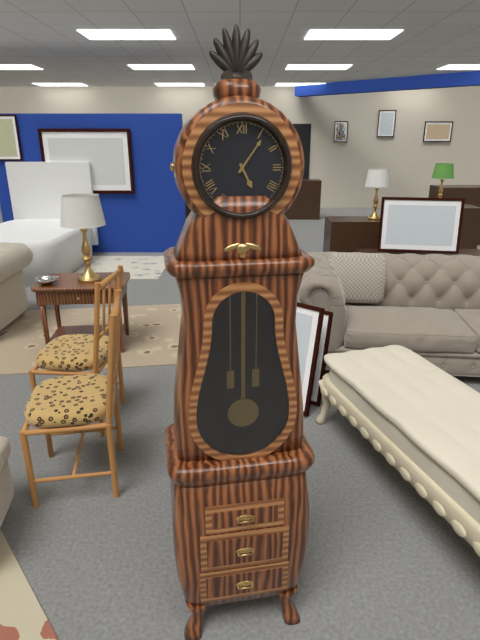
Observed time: **5:06**
